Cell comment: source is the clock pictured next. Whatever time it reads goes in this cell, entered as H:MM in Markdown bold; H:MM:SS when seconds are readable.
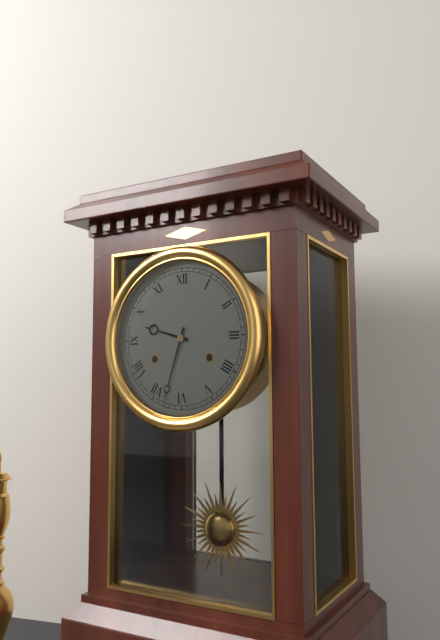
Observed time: **9:33**
